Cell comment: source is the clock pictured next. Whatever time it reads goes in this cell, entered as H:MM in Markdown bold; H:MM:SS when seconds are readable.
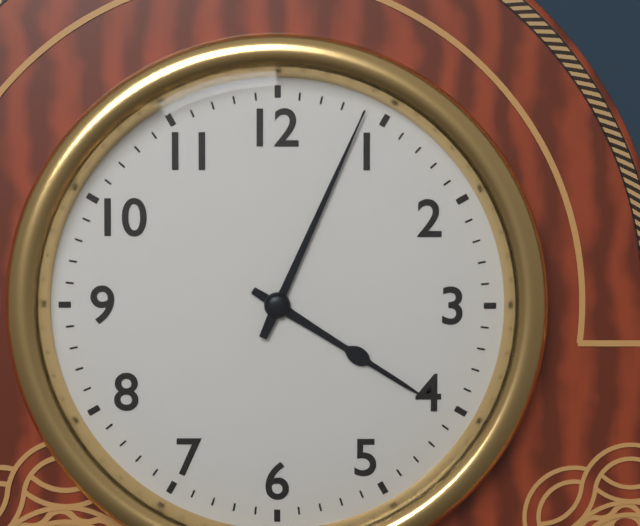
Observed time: **4:04**
